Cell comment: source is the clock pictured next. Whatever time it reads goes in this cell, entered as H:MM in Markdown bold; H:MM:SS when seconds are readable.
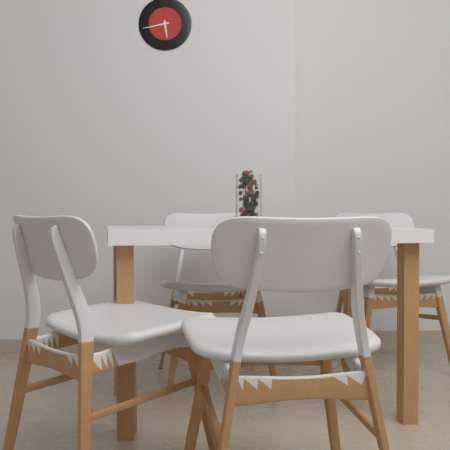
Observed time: **5:43**
